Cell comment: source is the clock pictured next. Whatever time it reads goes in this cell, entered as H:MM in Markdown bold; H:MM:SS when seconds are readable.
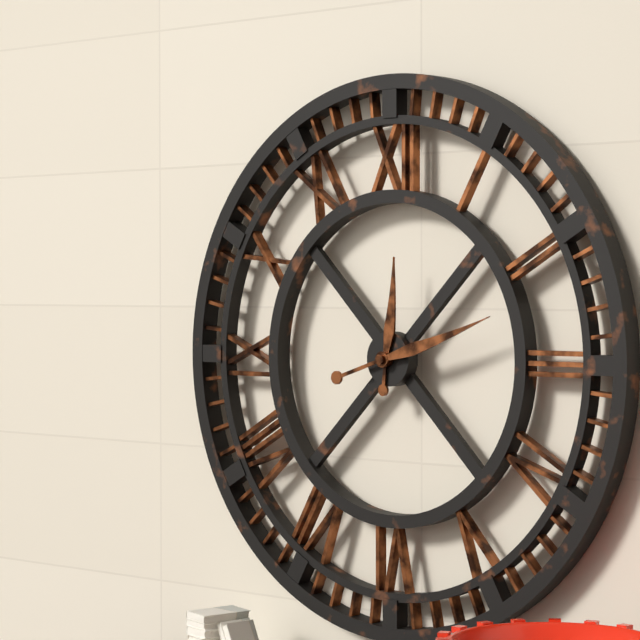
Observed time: **12:12**
